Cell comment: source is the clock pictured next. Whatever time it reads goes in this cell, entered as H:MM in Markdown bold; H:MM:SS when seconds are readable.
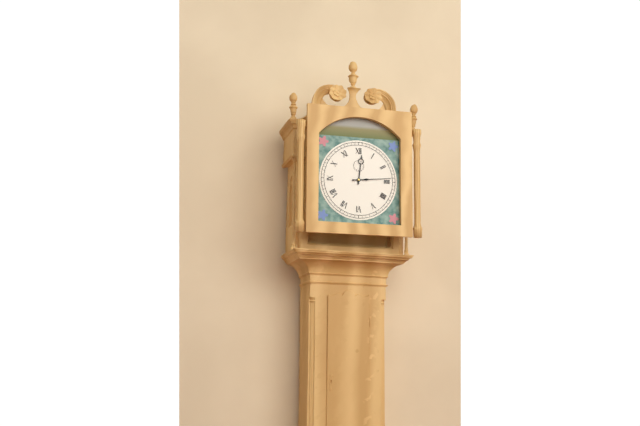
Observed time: **12:14**
